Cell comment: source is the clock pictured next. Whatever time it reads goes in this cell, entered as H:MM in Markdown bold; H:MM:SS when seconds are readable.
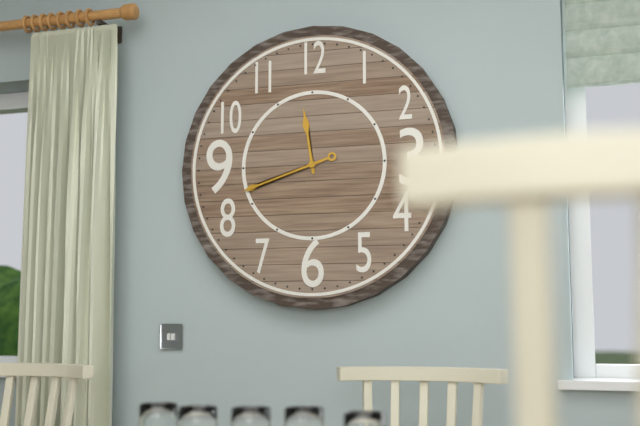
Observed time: **11:42**
